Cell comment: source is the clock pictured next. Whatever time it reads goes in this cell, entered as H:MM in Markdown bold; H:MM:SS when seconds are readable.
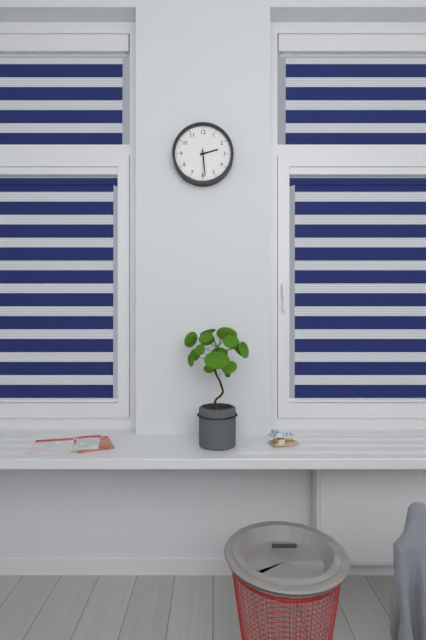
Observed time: **2:29**
